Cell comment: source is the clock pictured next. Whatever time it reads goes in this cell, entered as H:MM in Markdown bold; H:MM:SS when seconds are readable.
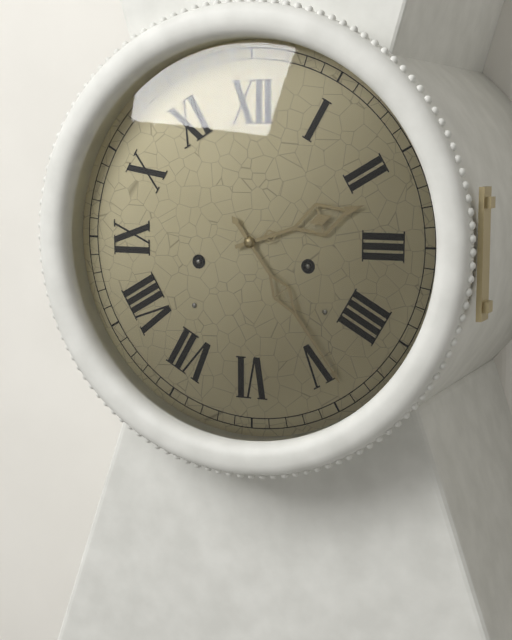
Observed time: **2:24**
